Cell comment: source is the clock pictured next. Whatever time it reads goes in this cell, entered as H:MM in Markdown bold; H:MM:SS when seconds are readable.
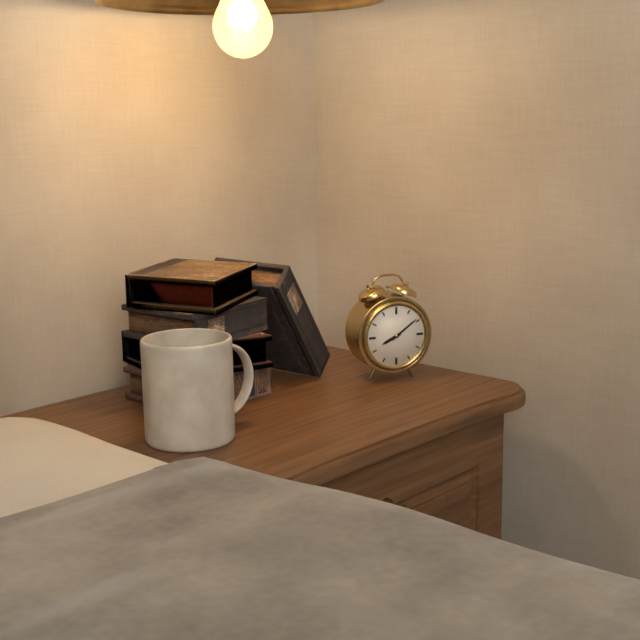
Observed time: **8:09**
